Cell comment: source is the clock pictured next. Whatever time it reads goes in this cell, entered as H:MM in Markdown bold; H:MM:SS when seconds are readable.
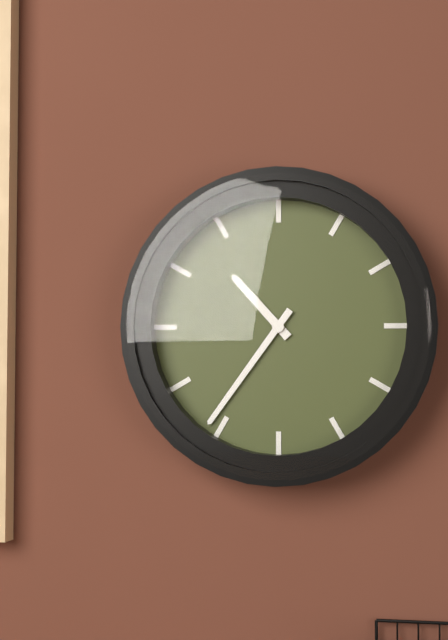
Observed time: **10:36**
